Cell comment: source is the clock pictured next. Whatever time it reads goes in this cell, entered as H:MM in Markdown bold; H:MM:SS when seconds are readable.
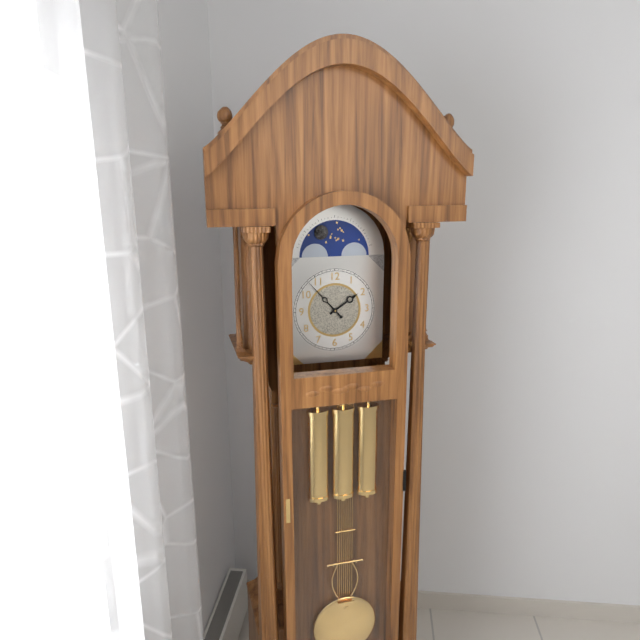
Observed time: **1:53**
